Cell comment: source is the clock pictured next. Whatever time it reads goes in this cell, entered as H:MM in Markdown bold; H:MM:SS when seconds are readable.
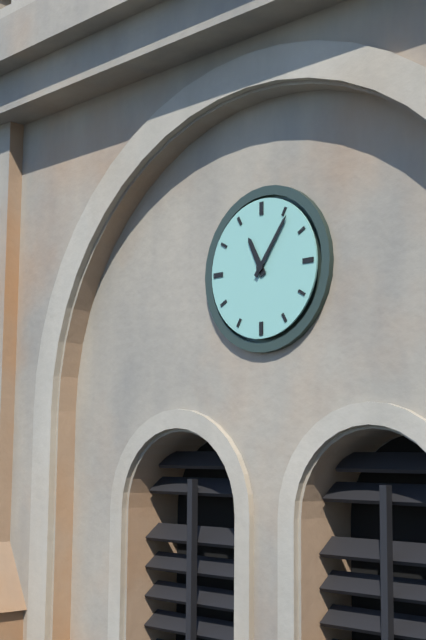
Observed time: **11:06**
